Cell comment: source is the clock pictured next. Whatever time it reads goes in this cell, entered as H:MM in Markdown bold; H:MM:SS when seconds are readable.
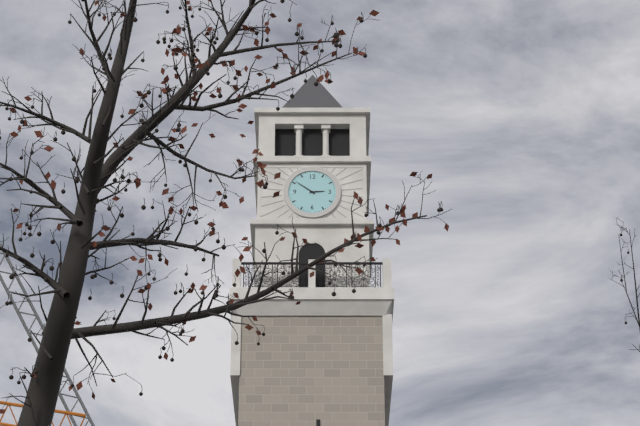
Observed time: **2:51**
